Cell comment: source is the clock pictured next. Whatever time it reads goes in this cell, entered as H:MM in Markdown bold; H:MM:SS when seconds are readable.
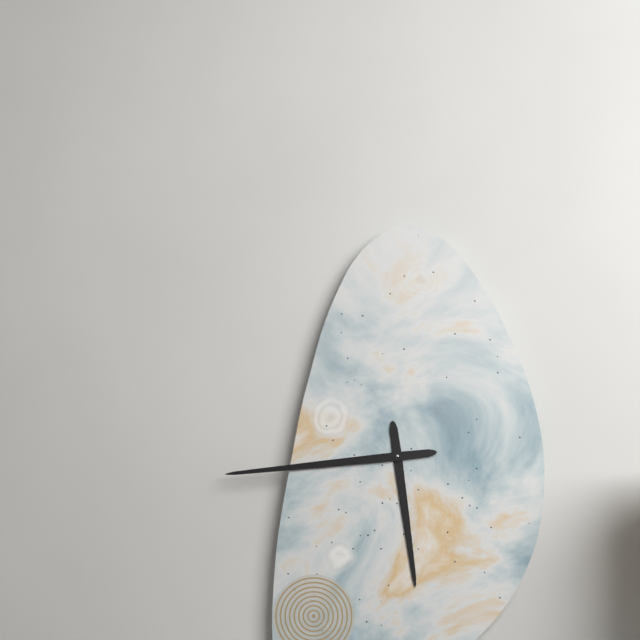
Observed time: **5:44**
